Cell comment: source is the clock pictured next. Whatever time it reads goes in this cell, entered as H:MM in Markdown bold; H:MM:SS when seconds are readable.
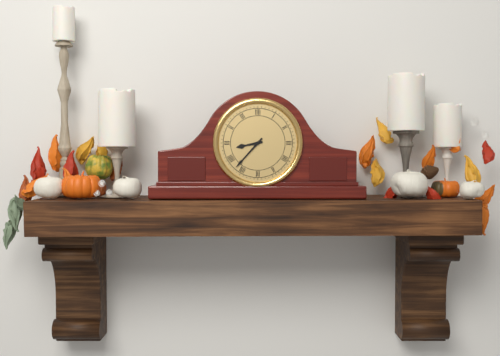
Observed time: **8:37**
